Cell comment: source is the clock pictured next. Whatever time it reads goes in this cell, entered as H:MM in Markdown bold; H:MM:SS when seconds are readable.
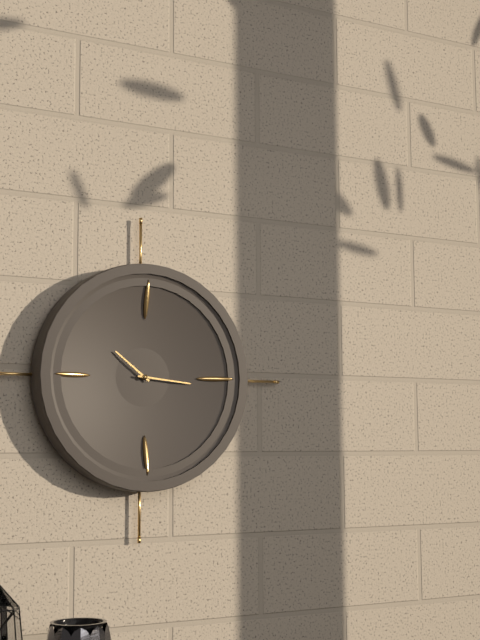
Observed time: **10:16**
